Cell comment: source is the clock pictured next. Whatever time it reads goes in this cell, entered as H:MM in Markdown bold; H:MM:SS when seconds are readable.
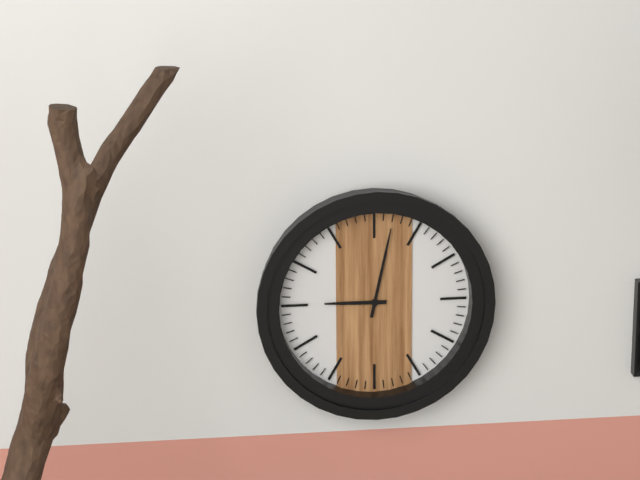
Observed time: **9:02**
